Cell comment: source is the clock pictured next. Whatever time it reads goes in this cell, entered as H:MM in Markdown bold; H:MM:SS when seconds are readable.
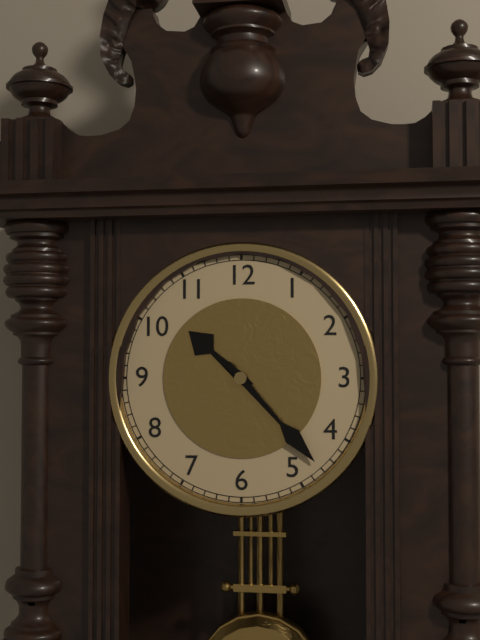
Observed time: **10:23**
